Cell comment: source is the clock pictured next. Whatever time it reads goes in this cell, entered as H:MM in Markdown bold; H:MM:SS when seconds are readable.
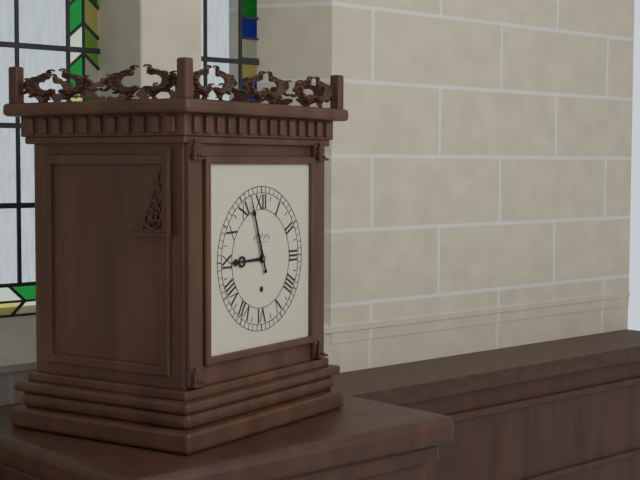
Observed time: **8:57**
